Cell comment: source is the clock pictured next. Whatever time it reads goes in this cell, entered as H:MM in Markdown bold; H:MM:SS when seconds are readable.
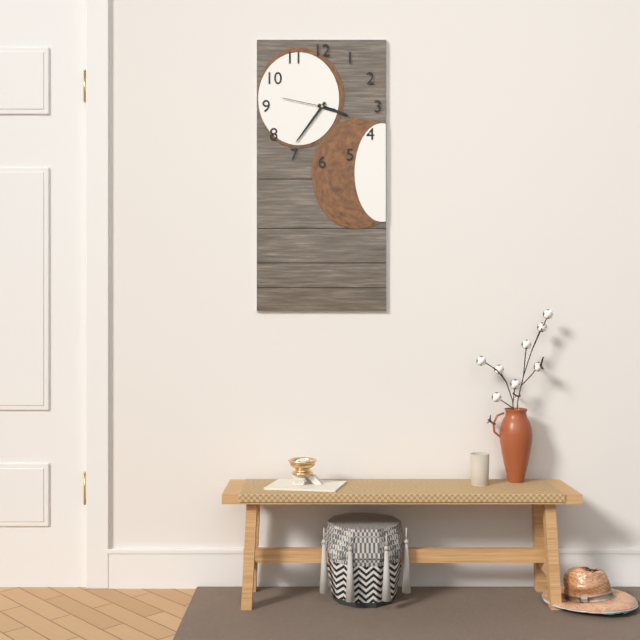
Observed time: **3:36:47**
